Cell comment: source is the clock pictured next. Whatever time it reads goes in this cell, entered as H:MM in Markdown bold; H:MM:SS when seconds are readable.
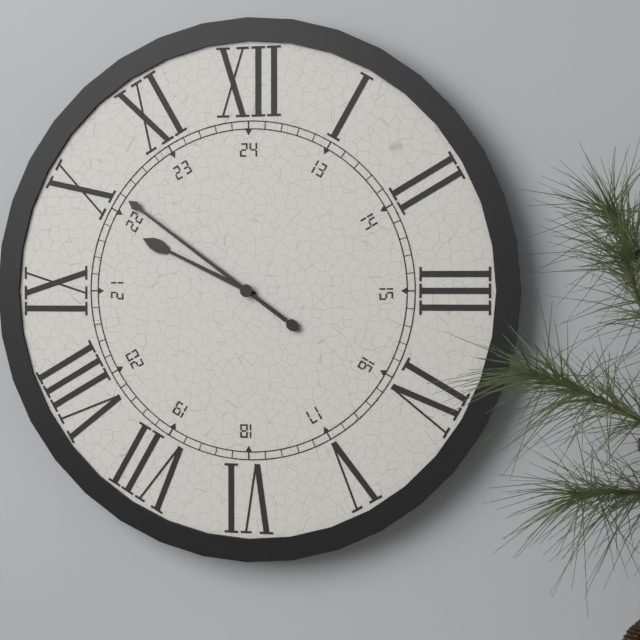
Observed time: **9:51**
